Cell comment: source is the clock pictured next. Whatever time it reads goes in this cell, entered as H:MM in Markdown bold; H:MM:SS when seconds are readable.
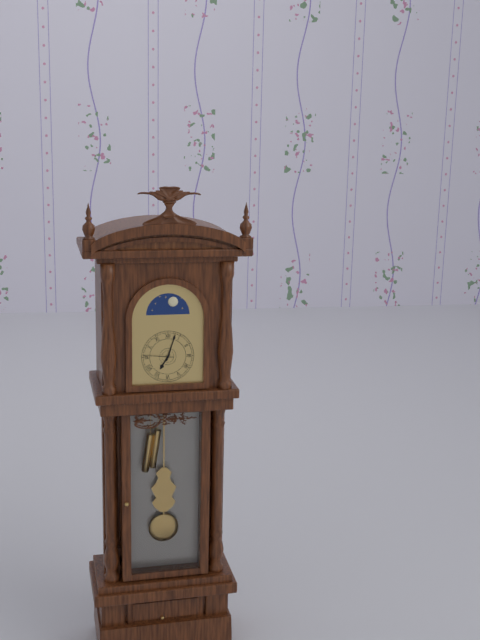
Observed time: **7:03**
